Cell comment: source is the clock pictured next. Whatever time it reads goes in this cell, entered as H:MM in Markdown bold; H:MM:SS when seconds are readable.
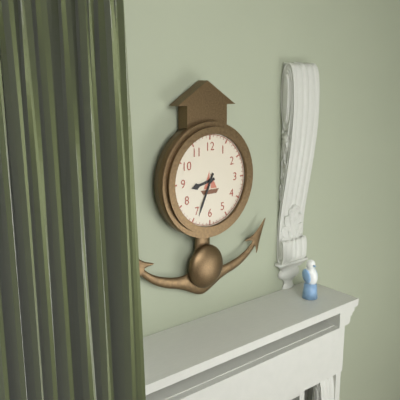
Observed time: **8:34**
